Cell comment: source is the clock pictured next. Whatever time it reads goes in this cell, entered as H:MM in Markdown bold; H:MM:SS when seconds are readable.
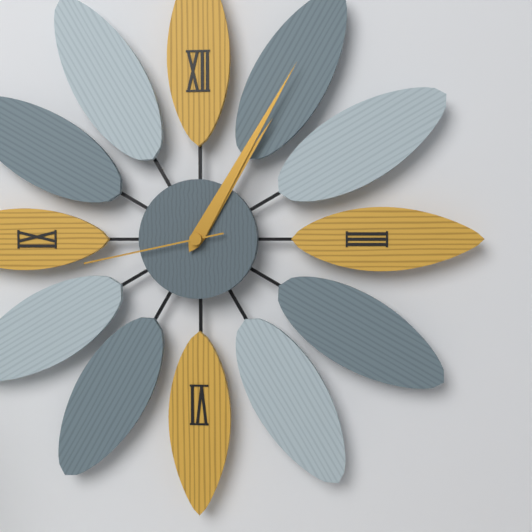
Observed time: **1:05:43**
